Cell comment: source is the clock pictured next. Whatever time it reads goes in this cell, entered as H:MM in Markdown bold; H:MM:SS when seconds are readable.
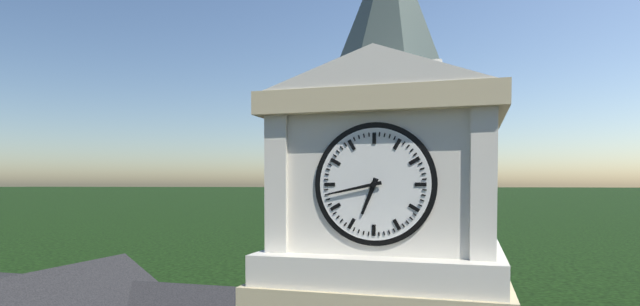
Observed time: **6:43**
